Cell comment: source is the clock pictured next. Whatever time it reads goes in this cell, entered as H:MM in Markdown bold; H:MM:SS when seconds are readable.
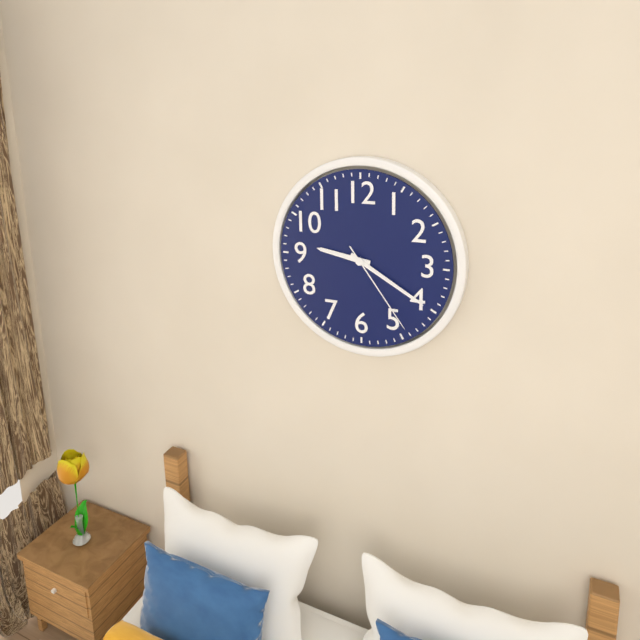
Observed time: **9:20:24**
